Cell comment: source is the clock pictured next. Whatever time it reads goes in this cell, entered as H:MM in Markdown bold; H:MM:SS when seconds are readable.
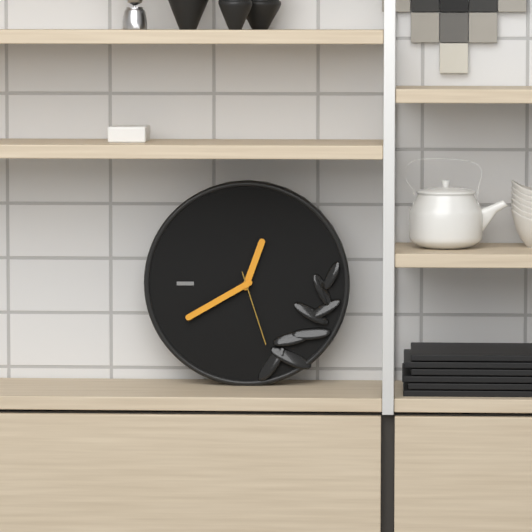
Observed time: **12:40:27**
